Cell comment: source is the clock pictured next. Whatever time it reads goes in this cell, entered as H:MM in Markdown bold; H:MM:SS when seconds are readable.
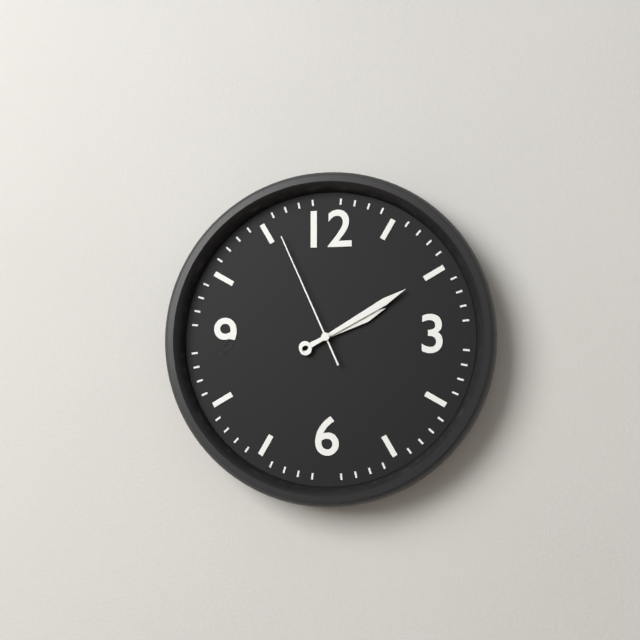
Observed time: **2:10:56**
